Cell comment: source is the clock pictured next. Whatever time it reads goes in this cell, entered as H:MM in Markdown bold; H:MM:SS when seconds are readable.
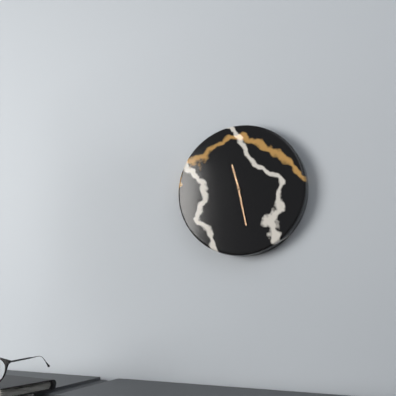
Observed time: **11:28**
